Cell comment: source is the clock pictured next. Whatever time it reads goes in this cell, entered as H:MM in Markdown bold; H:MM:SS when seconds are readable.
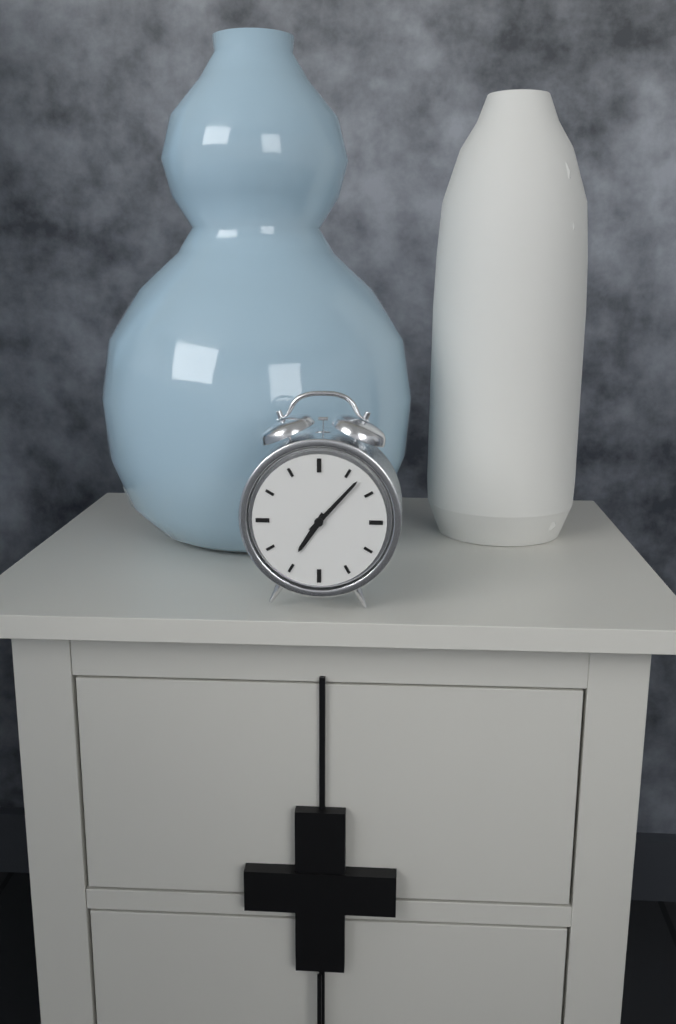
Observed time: **7:07**
